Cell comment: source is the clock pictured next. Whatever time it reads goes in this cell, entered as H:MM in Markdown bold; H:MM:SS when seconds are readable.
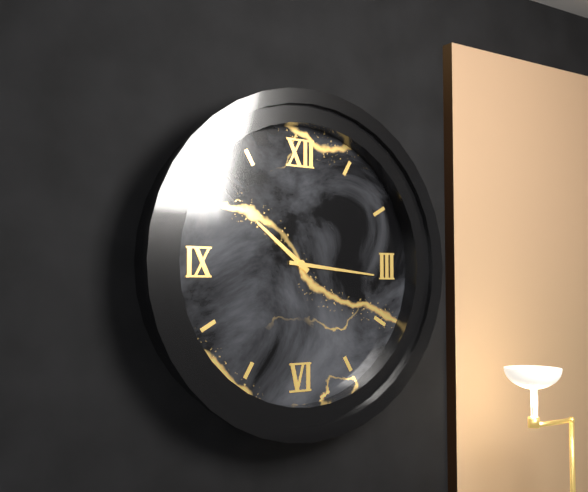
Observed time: **10:16**
